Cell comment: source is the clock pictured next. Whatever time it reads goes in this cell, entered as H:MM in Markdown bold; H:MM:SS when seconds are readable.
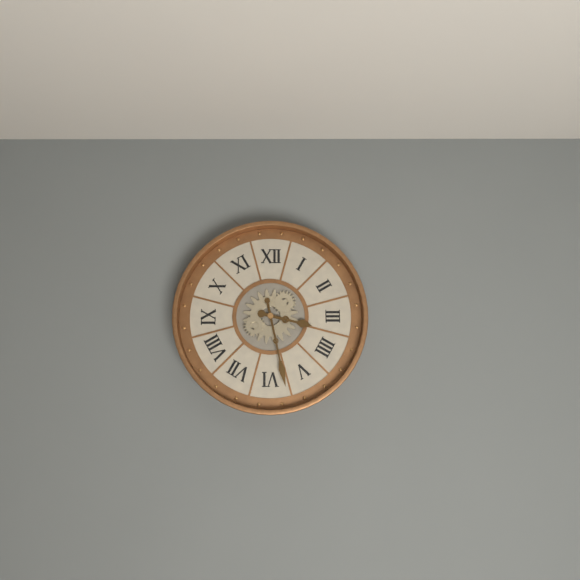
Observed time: **3:28**
